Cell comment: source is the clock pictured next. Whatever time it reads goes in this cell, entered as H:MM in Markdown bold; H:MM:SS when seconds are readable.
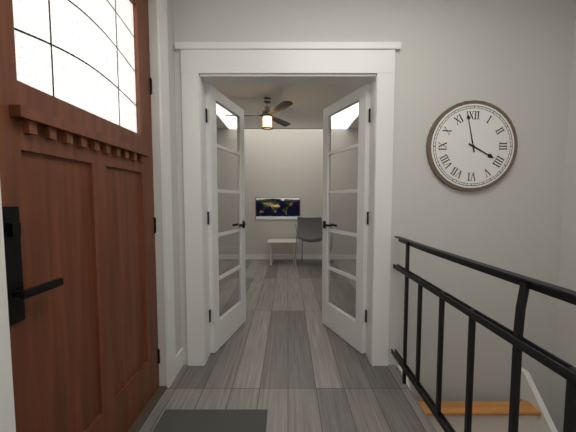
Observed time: **3:58**
